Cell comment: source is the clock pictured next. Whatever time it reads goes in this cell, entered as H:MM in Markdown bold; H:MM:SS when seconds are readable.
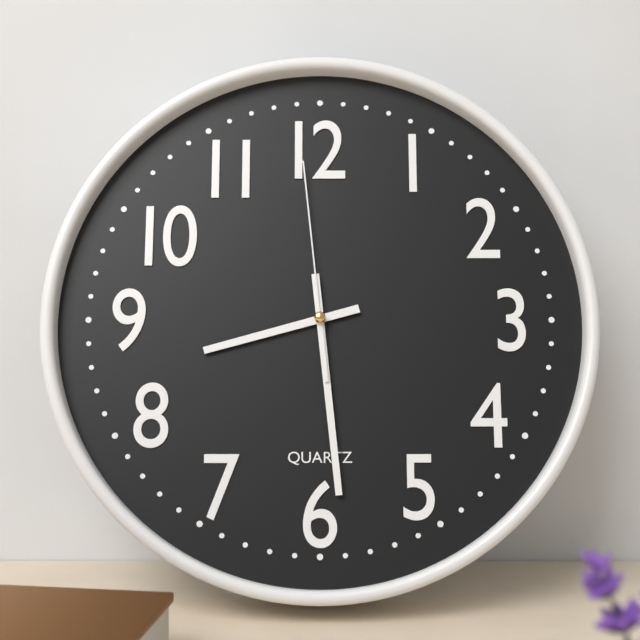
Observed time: **8:29:59**
